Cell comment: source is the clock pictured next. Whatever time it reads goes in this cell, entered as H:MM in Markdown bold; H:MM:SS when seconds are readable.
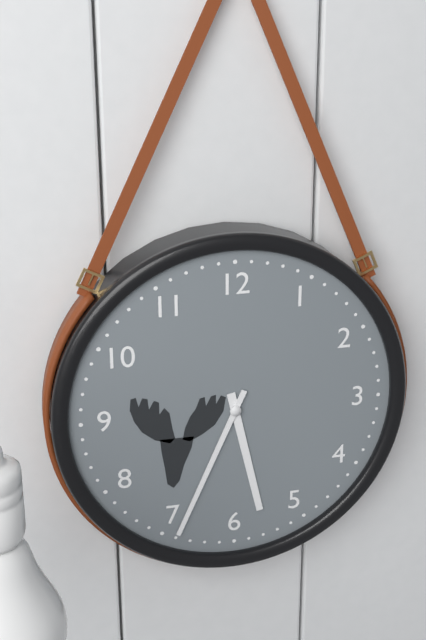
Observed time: **5:34**
